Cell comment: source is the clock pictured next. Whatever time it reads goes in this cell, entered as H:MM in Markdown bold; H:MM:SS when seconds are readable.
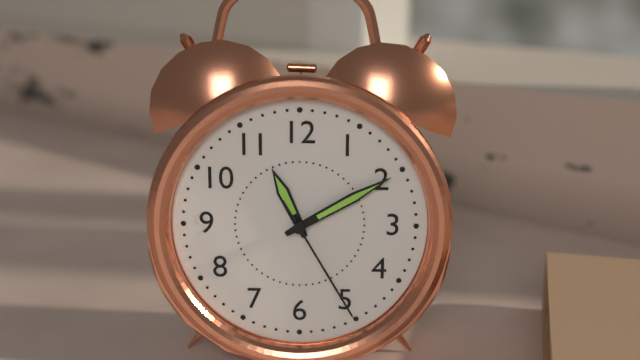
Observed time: **11:10:25**
